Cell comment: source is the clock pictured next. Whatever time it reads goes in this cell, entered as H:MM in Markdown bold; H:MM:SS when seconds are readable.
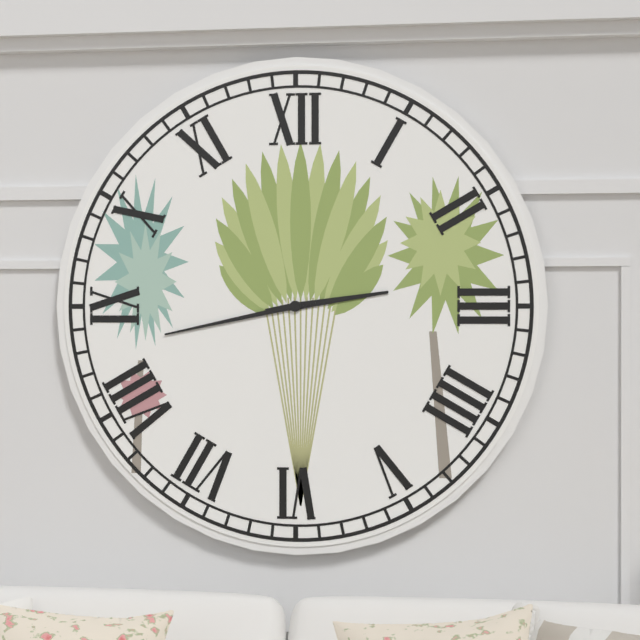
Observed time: **2:43**
